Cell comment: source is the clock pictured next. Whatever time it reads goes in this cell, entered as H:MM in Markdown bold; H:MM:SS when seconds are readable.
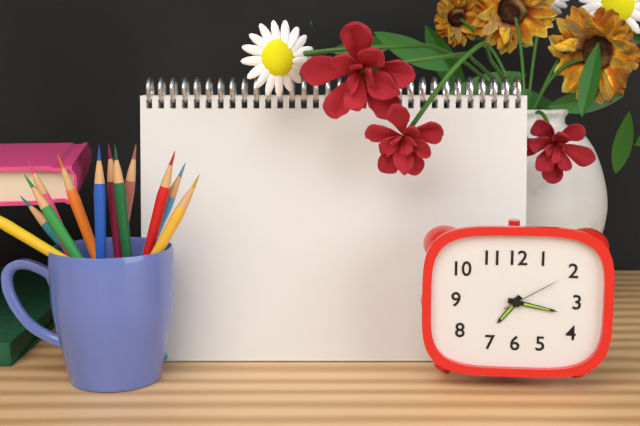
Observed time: **7:17:10**
